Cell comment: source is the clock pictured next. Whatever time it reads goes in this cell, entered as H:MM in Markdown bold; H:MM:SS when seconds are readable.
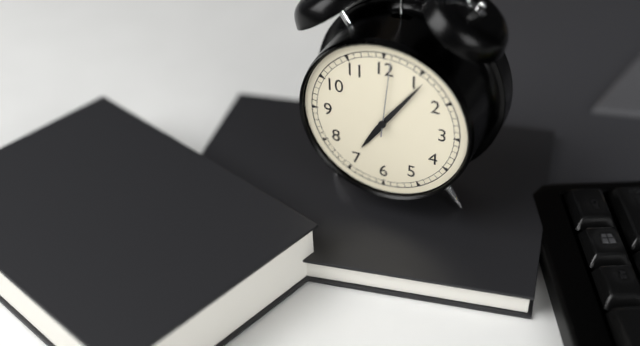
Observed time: **7:06:01**
